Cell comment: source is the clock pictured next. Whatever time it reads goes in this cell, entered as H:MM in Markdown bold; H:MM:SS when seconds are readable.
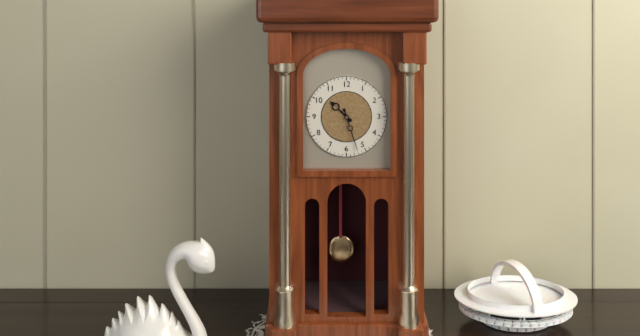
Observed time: **10:27**
